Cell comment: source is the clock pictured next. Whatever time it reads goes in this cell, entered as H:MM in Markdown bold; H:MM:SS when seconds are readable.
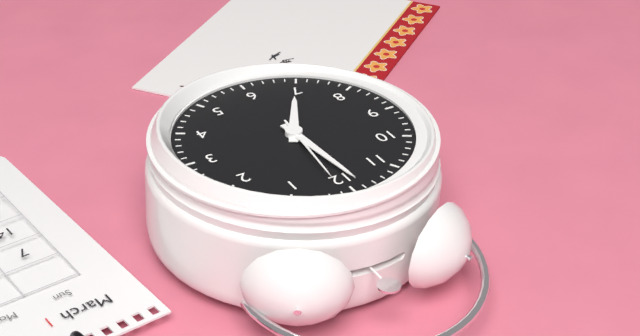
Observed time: **6:59:01**
